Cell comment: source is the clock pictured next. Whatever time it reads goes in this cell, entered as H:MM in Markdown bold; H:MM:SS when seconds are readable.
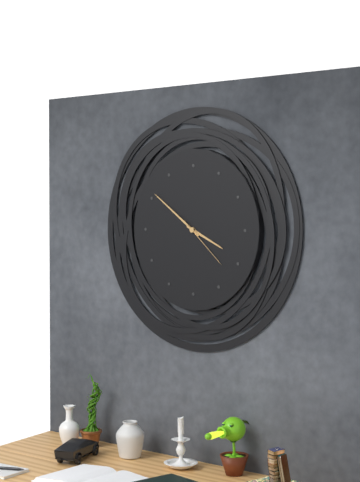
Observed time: **3:51:22**
